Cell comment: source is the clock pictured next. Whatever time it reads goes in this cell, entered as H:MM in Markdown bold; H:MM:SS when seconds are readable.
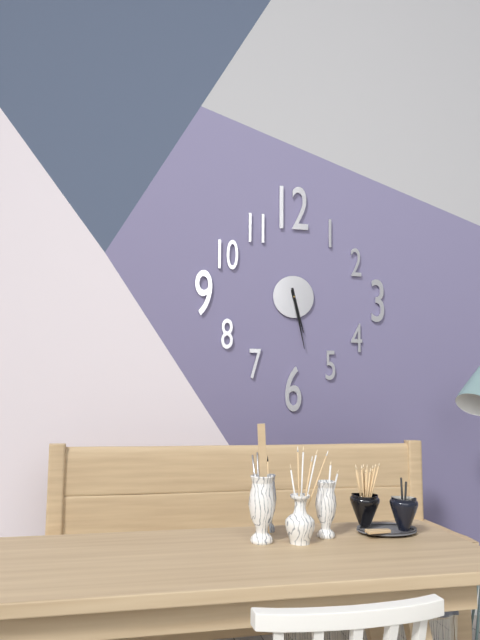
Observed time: **5:28**
